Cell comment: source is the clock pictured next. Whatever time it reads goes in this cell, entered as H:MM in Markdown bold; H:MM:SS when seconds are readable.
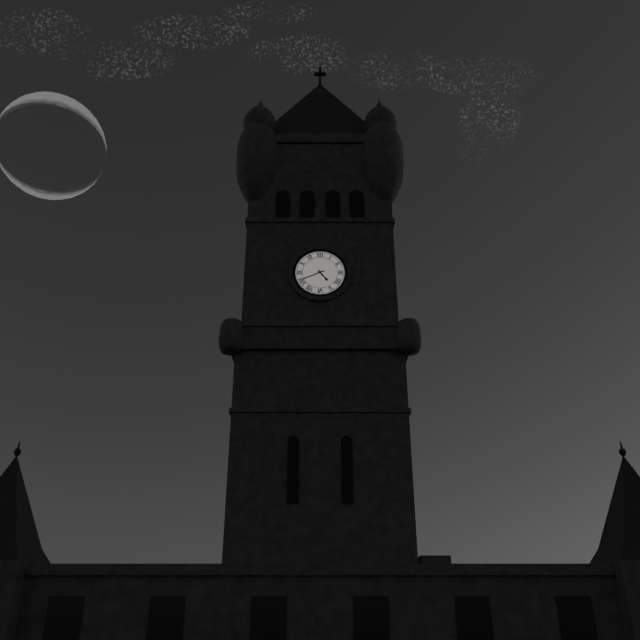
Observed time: **4:41**
